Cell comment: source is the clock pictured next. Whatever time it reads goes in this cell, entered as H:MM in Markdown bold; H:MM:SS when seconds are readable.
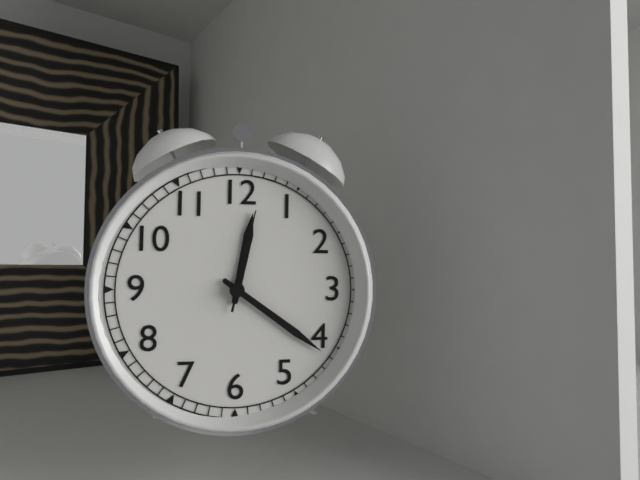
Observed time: **12:21:02**
